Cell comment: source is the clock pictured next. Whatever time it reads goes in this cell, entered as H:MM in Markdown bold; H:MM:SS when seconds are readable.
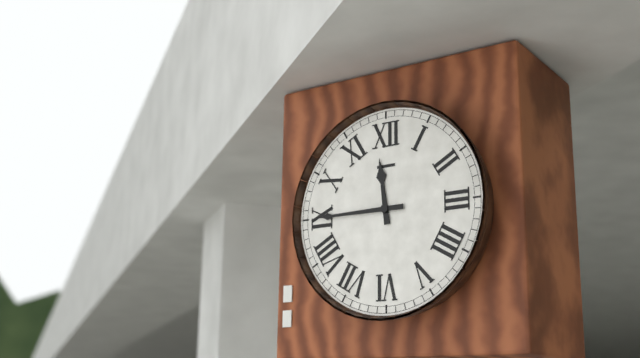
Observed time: **11:45**
